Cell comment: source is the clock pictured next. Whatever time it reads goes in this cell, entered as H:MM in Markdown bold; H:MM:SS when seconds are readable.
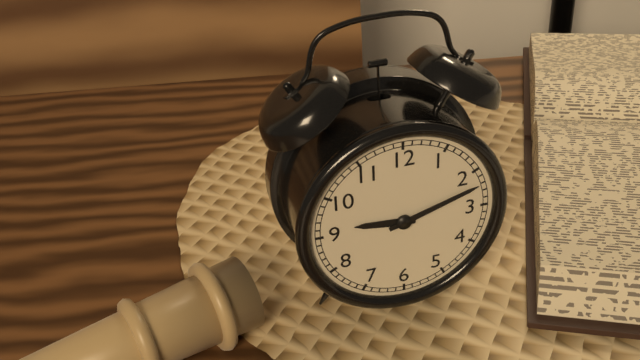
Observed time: **9:12**
